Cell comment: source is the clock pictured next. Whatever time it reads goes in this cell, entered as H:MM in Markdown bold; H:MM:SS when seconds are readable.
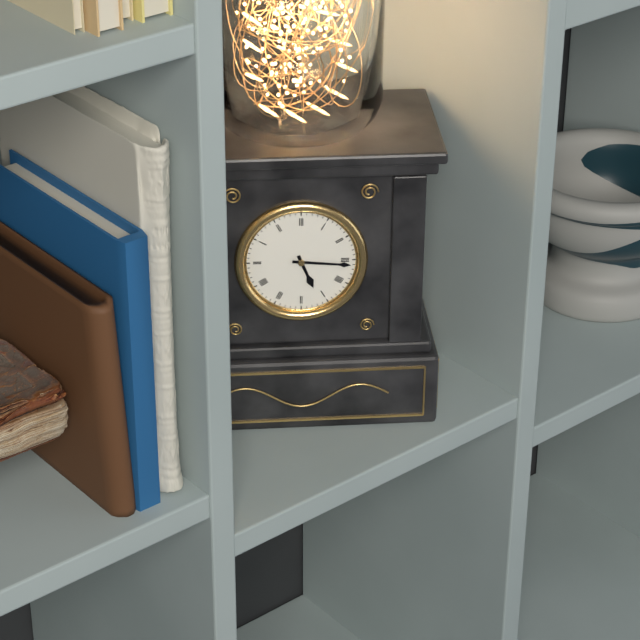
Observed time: **5:16**
